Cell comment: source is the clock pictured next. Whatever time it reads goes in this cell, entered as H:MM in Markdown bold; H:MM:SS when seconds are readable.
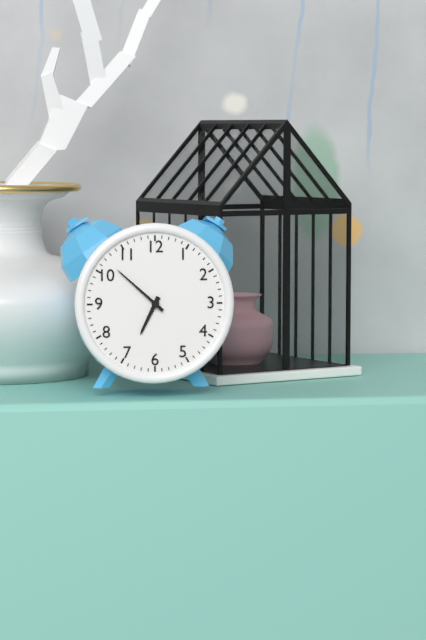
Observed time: **6:52**
